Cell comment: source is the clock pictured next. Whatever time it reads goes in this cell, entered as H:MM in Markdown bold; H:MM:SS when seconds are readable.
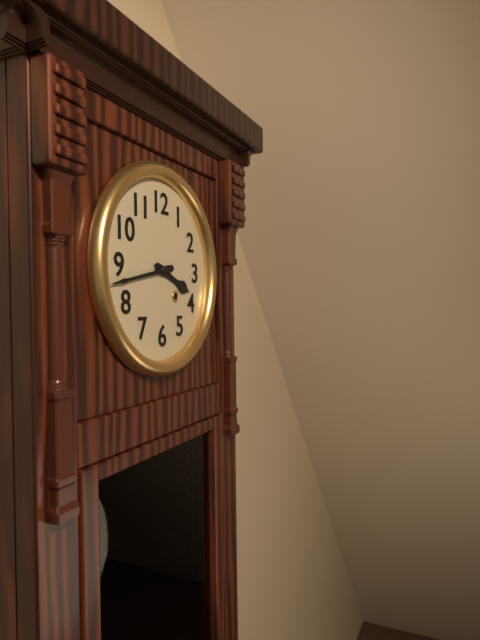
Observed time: **3:43**
